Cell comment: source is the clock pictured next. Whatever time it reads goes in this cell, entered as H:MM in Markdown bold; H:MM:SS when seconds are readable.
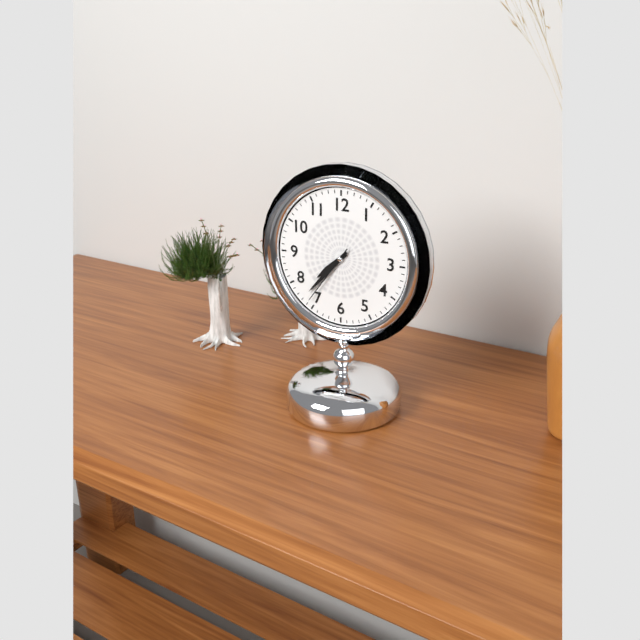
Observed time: **7:37:36**
